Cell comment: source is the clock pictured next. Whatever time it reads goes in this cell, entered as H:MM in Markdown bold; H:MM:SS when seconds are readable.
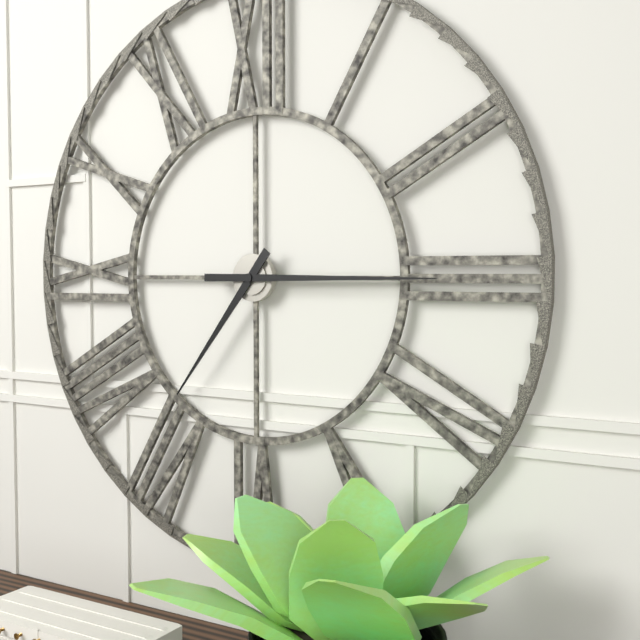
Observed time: **7:15**
